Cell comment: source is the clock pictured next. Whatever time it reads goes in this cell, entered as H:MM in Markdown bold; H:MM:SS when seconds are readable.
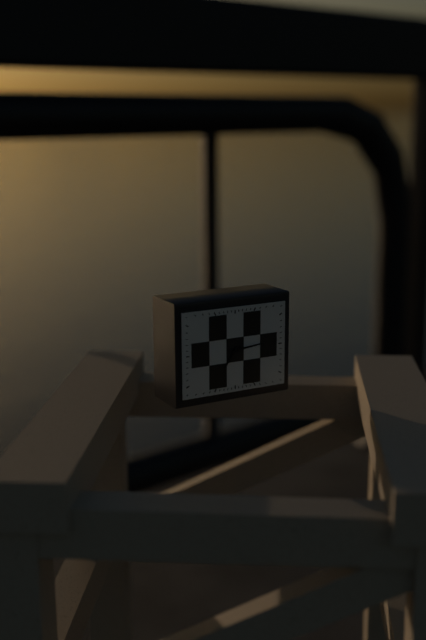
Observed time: **7:14**
